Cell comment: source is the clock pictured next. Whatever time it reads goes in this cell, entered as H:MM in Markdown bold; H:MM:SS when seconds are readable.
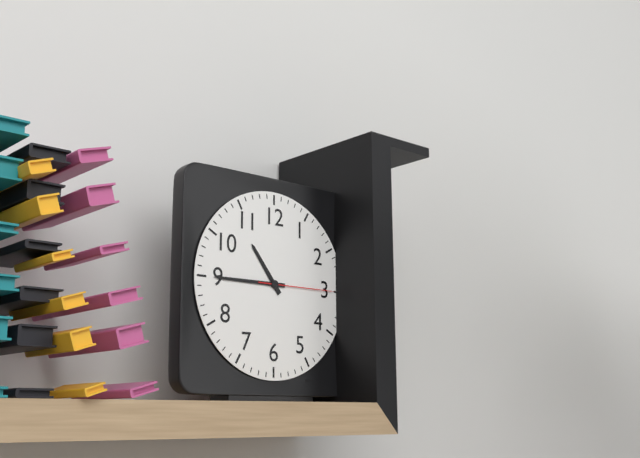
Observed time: **10:45:15**
